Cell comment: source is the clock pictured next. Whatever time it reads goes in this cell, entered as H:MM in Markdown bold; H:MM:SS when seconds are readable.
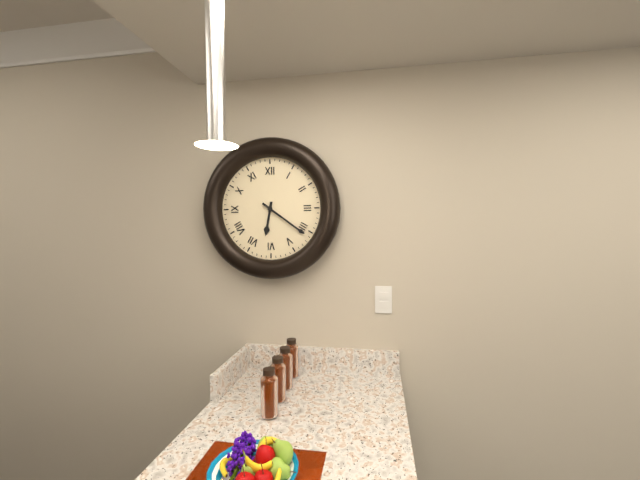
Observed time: **6:21**
